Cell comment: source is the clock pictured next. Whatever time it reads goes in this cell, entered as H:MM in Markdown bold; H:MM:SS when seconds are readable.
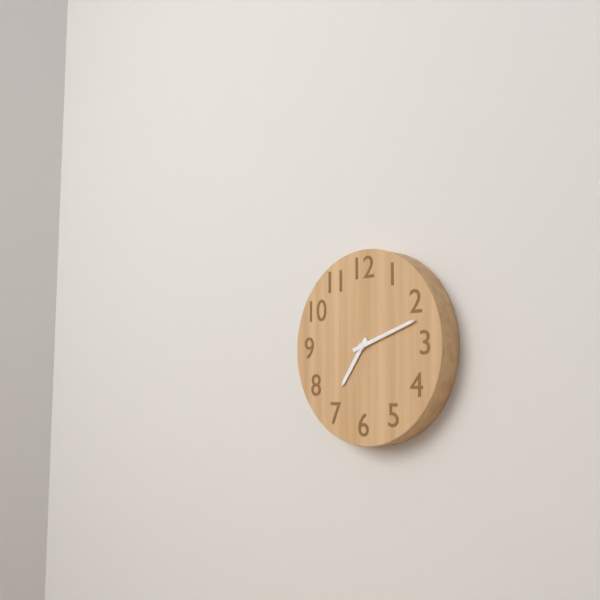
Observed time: **7:12**
